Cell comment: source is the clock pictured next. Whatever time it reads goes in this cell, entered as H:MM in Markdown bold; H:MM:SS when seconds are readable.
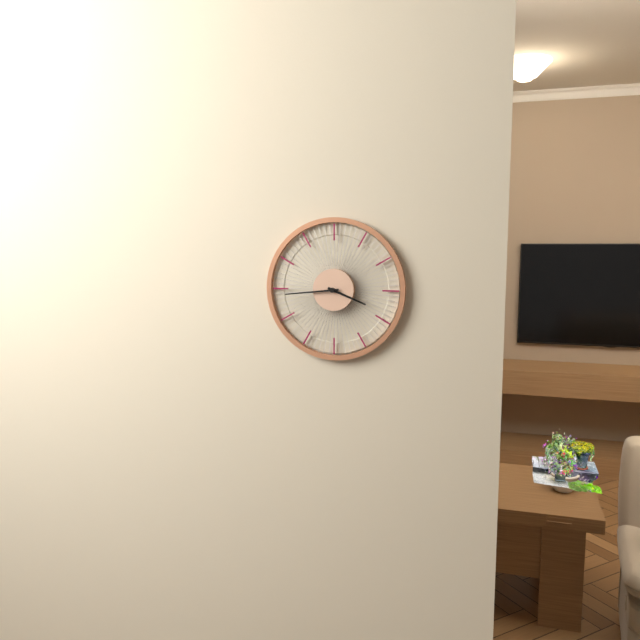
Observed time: **3:44**
